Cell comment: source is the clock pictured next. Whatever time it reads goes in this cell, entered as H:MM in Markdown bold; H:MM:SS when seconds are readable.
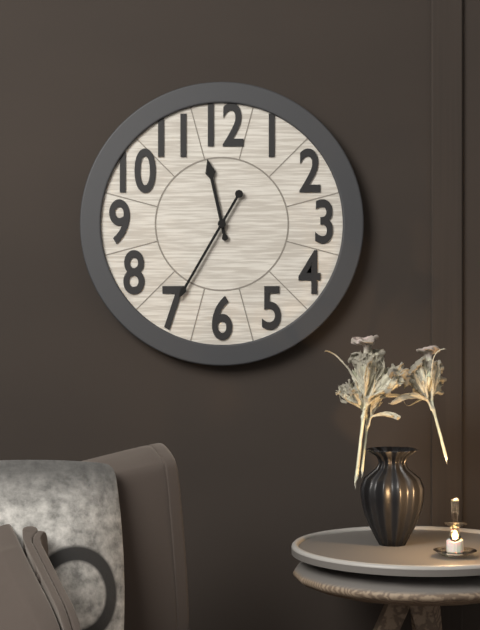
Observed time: **11:35**
